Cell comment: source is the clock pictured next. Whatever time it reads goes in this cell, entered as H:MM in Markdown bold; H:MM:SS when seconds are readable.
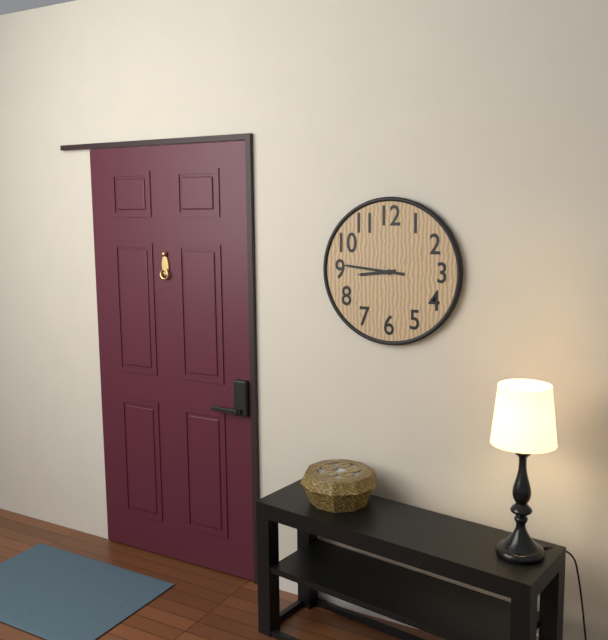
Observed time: **8:46**
